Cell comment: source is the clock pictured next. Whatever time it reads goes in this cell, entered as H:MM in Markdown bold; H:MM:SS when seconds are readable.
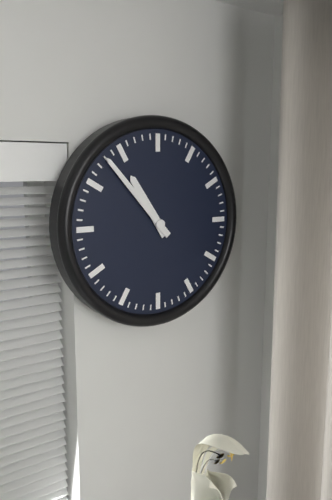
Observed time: **10:53**
